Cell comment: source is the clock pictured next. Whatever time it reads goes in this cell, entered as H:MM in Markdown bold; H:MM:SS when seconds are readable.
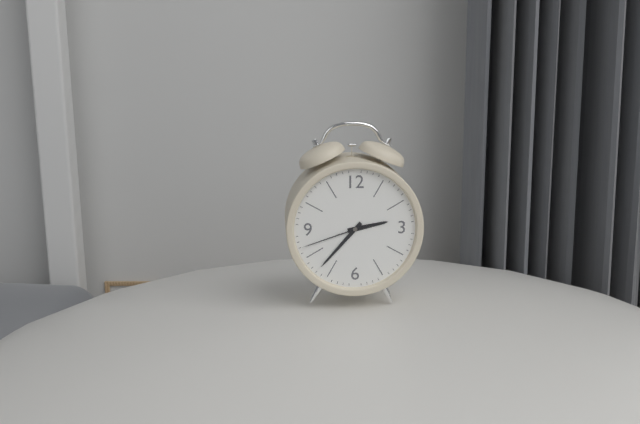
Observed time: **2:37:42**
